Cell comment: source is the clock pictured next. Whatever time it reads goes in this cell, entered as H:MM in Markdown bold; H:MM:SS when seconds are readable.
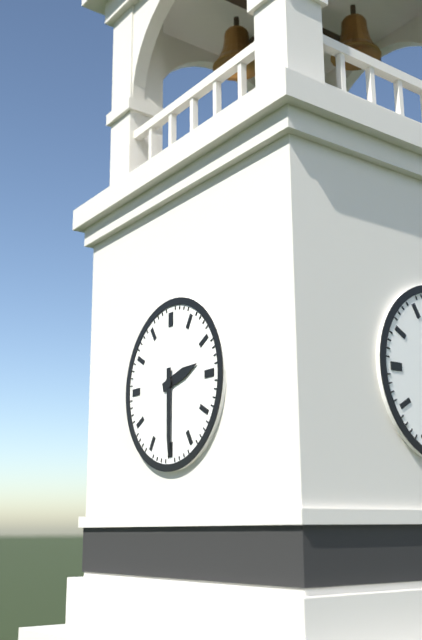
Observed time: **2:30**
